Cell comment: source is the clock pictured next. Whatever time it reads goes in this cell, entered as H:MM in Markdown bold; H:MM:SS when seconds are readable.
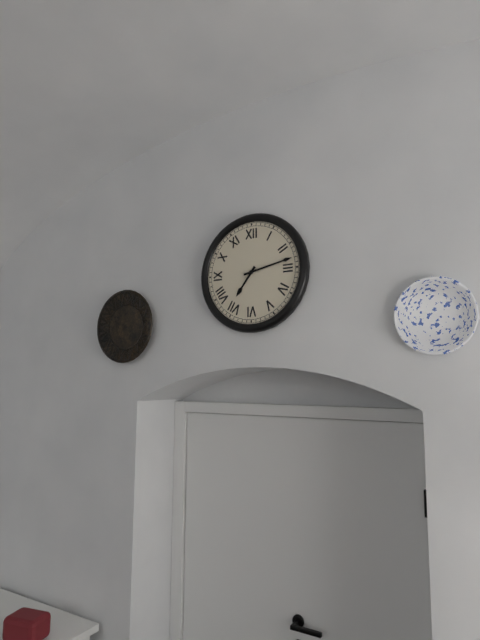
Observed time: **7:13**
